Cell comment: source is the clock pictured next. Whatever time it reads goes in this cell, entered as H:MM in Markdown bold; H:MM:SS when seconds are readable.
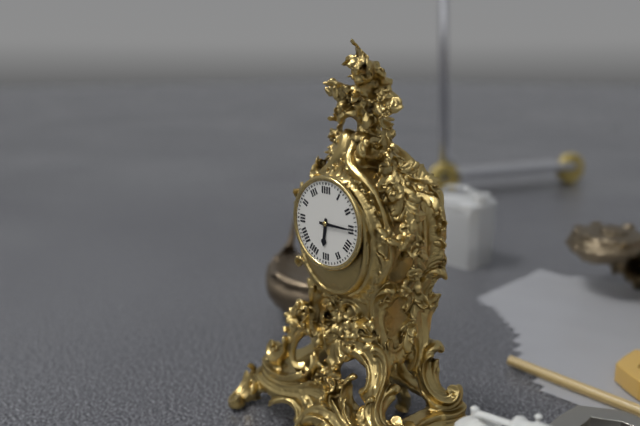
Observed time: **6:15**
